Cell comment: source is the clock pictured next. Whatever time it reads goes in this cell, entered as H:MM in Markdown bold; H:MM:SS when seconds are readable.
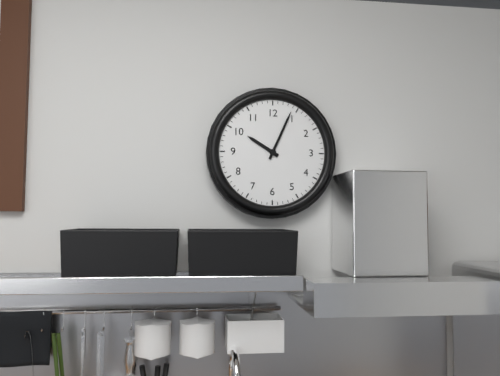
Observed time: **10:04**
